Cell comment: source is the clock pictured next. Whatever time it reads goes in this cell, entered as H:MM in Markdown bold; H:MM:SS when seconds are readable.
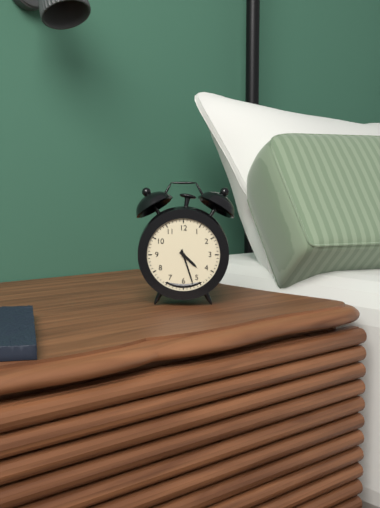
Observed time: **4:27**
